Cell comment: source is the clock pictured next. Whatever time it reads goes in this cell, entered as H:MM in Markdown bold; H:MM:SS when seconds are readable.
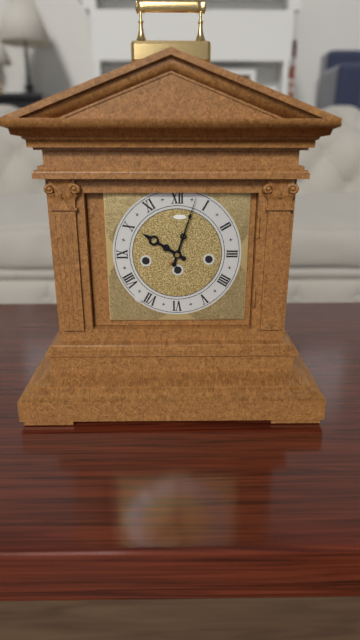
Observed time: **10:03**
